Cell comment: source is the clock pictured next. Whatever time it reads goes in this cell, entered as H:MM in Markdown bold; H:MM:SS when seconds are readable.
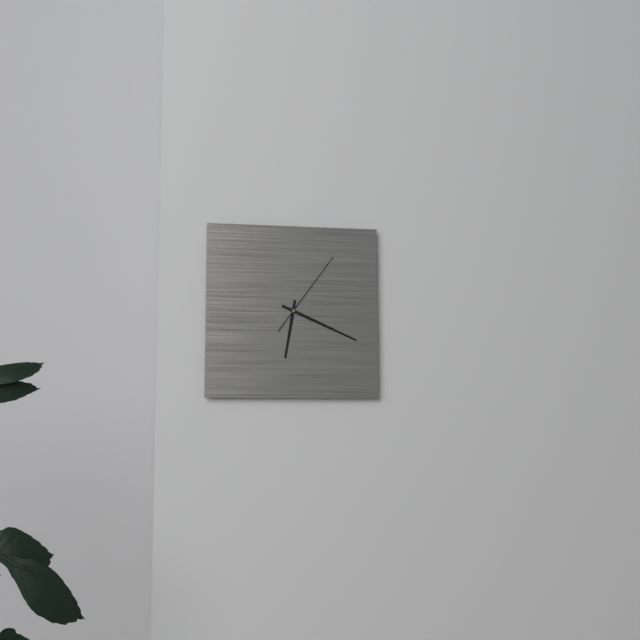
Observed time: **6:19:06**
